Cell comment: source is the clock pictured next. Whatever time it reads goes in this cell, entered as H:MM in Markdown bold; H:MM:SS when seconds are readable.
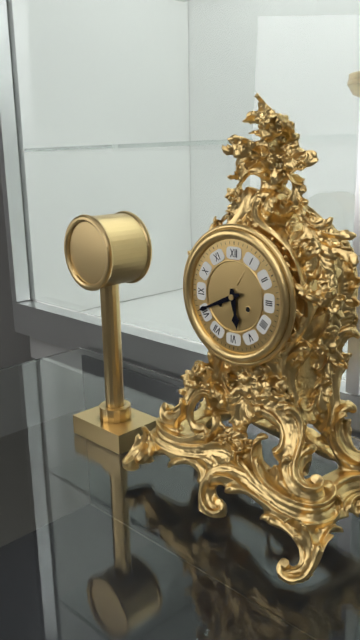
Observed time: **5:41**
